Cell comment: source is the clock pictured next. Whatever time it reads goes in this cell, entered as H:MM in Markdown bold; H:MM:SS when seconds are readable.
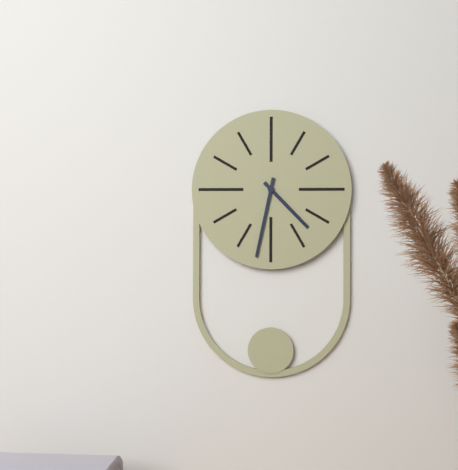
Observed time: **4:32**
